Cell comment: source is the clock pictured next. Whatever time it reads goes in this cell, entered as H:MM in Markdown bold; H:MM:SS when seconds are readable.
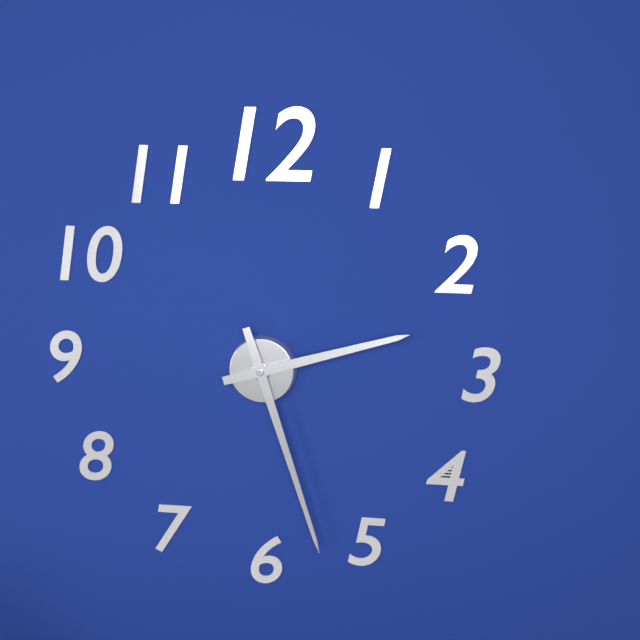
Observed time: **2:27**
